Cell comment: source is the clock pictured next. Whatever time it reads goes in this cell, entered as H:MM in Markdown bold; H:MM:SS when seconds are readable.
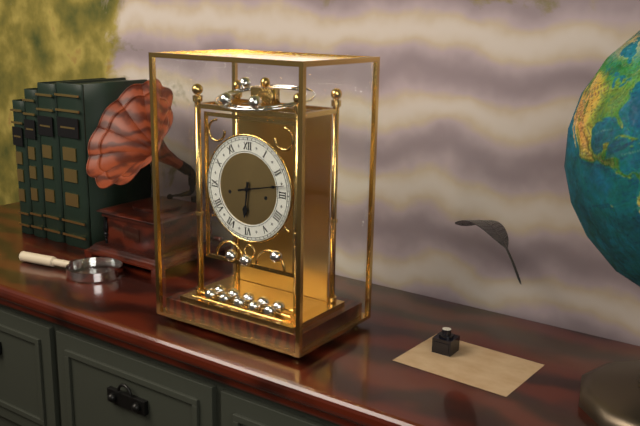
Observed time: **6:13**
